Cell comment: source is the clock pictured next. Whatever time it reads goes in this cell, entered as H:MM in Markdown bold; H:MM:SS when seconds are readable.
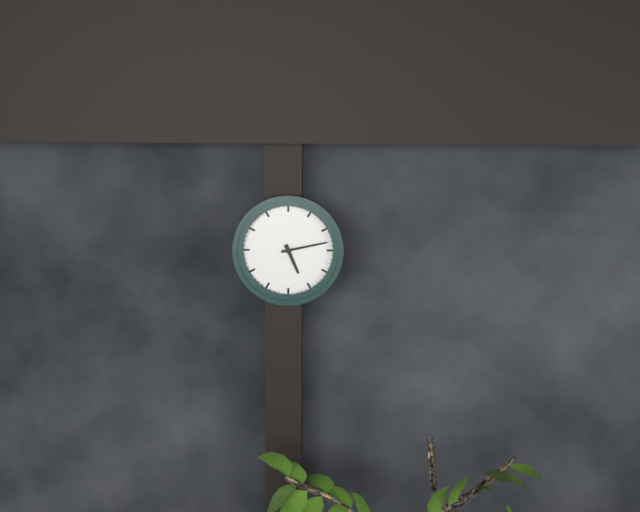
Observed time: **5:13**
